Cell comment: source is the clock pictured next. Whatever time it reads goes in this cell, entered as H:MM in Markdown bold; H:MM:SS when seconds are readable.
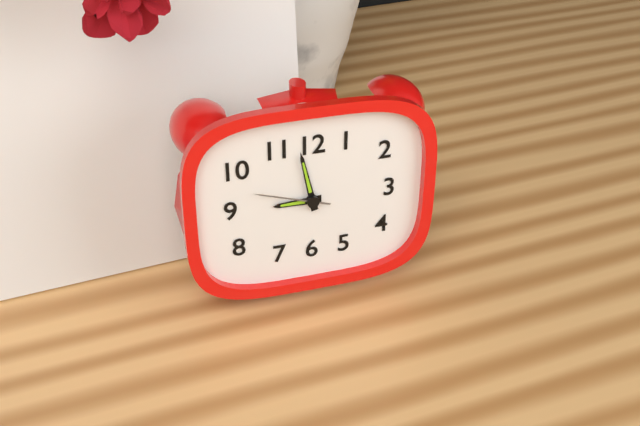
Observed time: **8:58:48**
